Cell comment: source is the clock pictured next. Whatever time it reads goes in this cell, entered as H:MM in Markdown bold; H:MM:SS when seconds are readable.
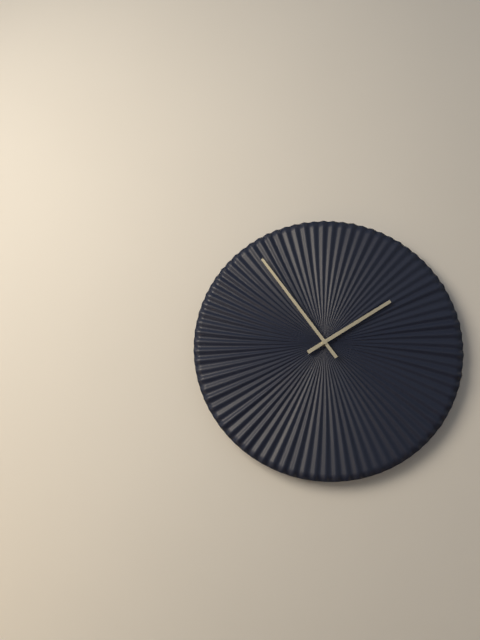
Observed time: **1:54**
